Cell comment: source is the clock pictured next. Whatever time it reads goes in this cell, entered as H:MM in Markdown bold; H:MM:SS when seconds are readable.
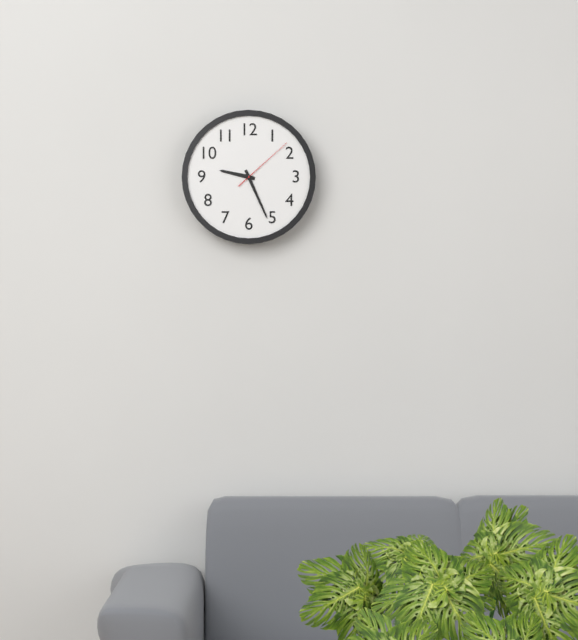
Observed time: **9:26:08**
